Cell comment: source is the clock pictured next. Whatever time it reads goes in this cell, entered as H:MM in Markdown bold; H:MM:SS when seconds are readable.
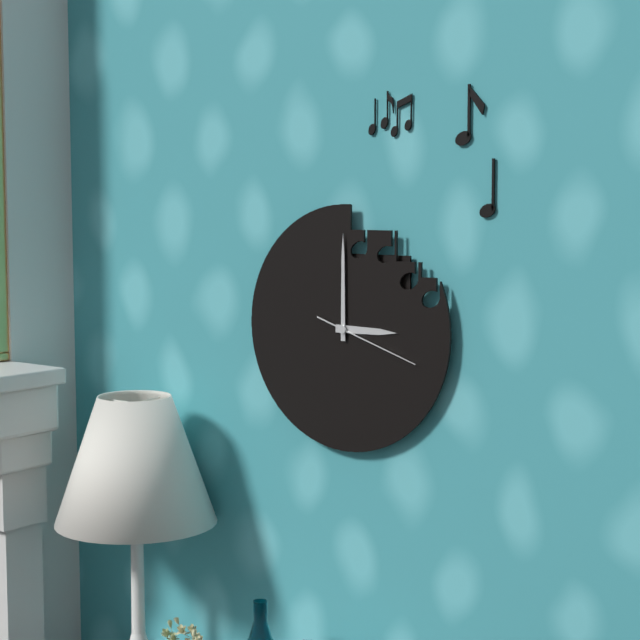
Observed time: **3:00:18**
